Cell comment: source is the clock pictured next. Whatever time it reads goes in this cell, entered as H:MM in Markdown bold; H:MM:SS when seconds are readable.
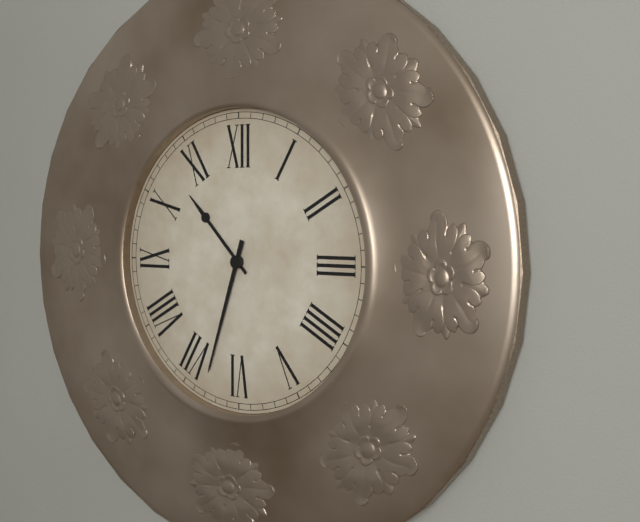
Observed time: **10:33**
